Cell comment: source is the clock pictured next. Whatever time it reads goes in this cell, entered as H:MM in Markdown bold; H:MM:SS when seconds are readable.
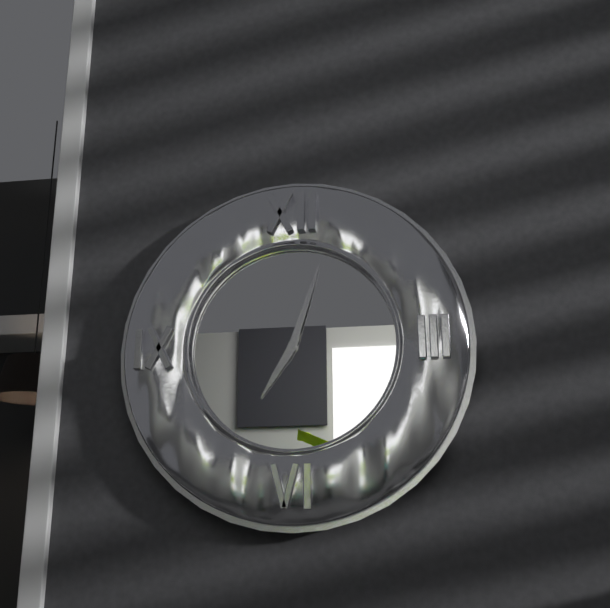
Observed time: **7:03**
